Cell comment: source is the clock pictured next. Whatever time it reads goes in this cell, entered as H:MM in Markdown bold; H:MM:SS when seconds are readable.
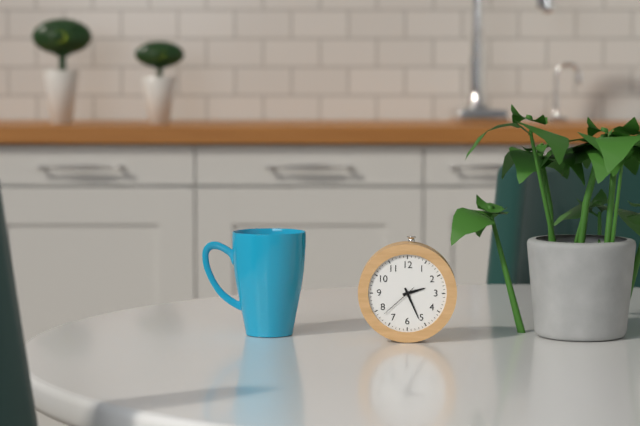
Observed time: **2:26**
